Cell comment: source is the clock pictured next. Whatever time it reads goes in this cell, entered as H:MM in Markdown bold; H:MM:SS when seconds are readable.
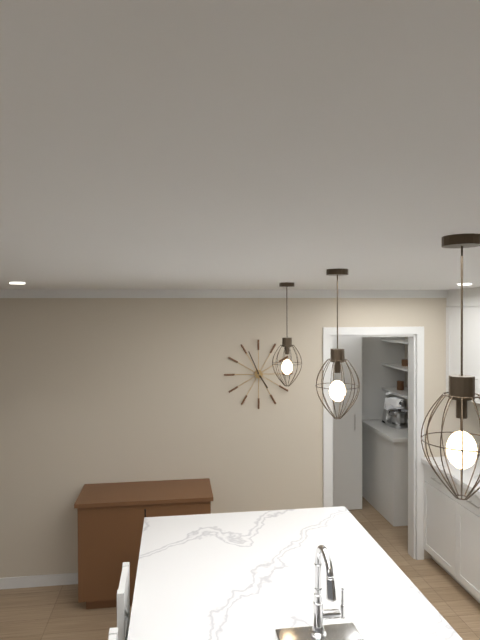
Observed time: **4:56**
